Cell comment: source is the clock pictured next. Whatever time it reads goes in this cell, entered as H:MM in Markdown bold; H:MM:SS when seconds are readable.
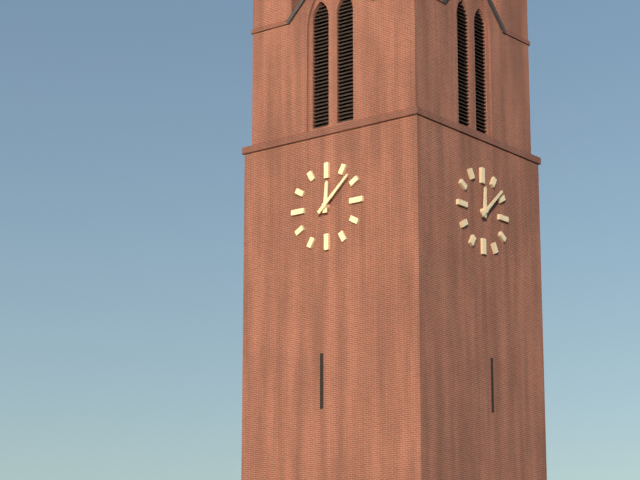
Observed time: **12:08**
